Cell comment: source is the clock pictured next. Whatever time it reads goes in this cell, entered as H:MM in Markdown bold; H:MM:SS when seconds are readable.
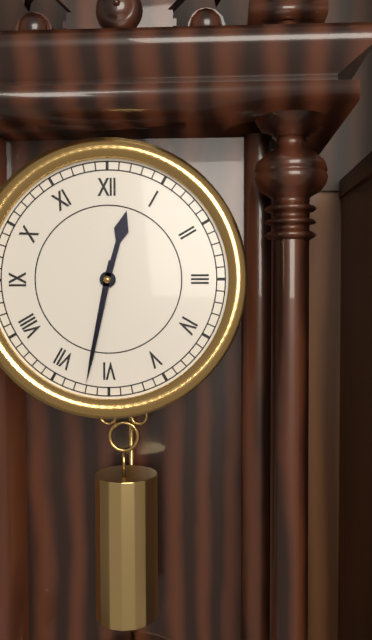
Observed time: **12:32**
